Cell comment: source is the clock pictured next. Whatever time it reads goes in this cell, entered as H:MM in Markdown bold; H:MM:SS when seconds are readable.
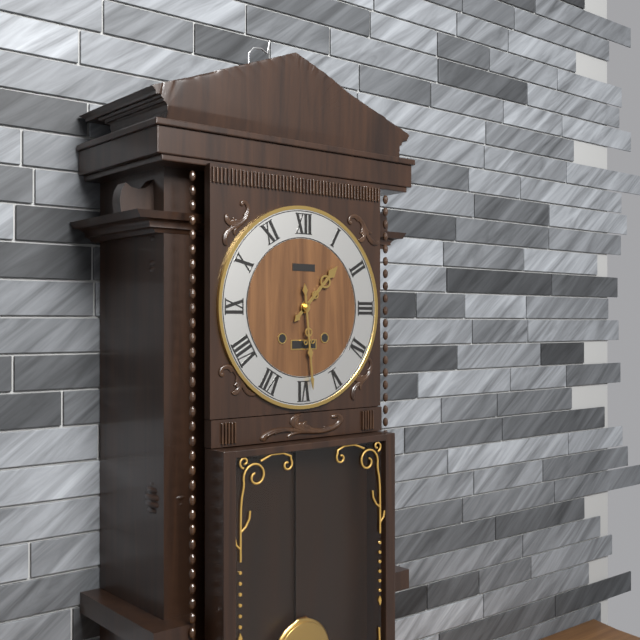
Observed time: **1:29**
